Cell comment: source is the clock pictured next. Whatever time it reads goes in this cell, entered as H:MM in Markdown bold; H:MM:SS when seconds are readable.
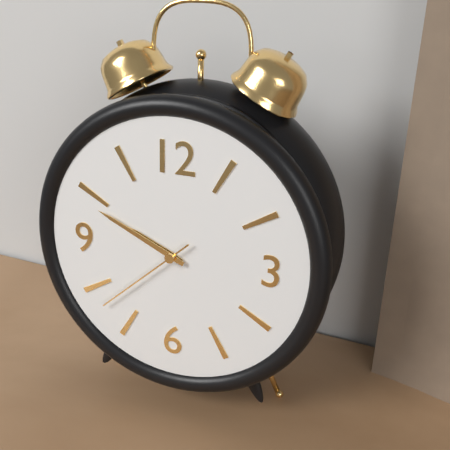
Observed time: **9:49:38**
